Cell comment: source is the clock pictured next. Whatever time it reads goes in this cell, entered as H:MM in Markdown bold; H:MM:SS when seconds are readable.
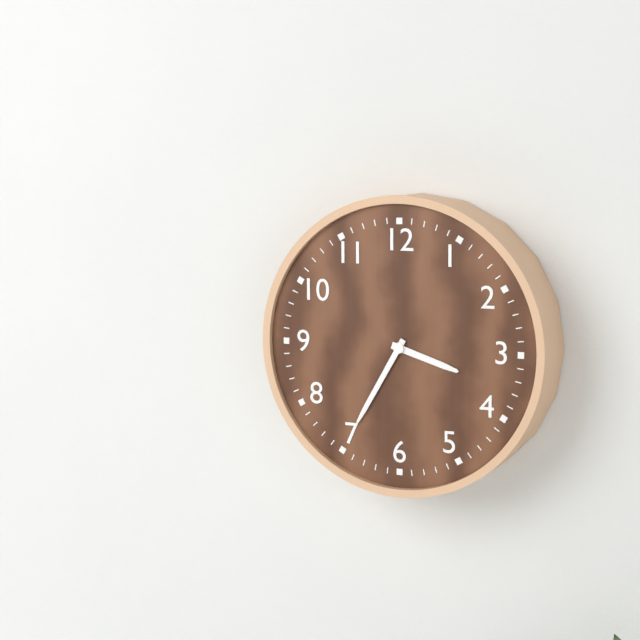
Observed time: **3:35**
